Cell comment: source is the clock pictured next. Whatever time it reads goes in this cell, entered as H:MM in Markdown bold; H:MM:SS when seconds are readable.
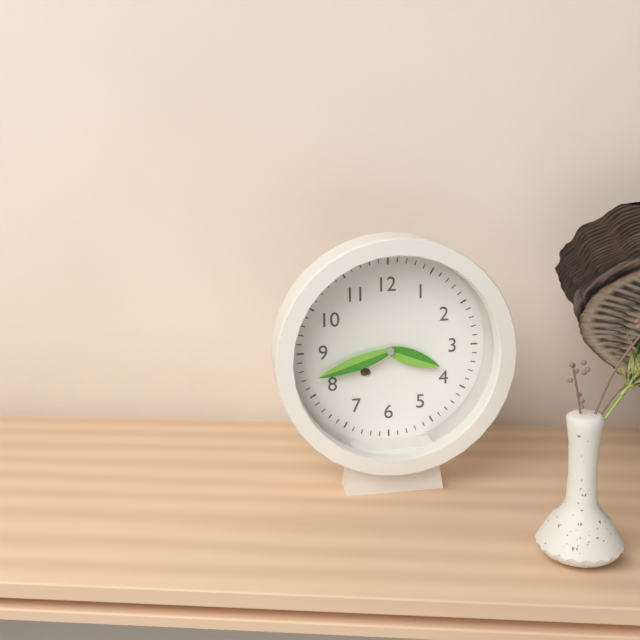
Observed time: **3:42**
